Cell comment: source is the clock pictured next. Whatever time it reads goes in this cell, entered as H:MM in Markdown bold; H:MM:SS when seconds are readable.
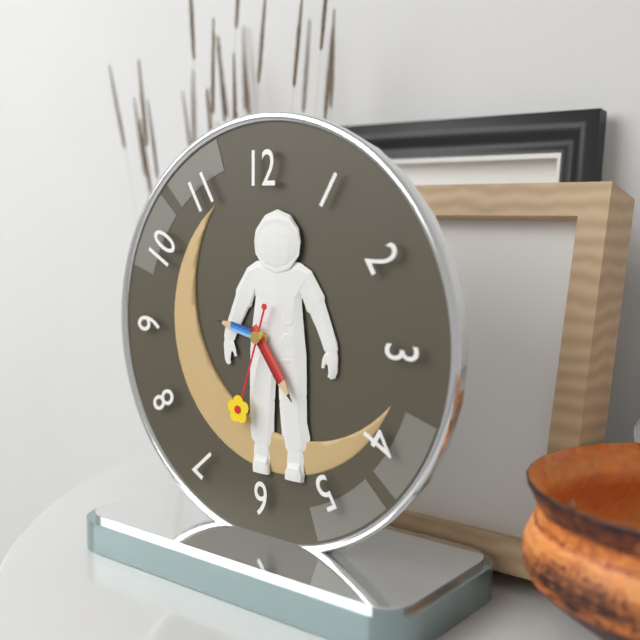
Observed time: **9:24:33**
